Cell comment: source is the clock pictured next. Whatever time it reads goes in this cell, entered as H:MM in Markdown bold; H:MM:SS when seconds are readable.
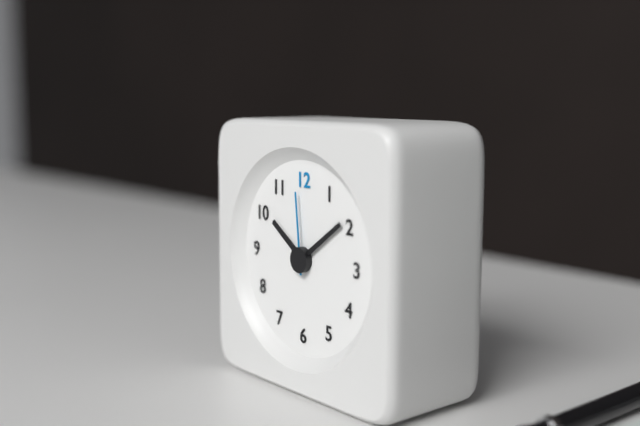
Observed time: **10:09:59**
